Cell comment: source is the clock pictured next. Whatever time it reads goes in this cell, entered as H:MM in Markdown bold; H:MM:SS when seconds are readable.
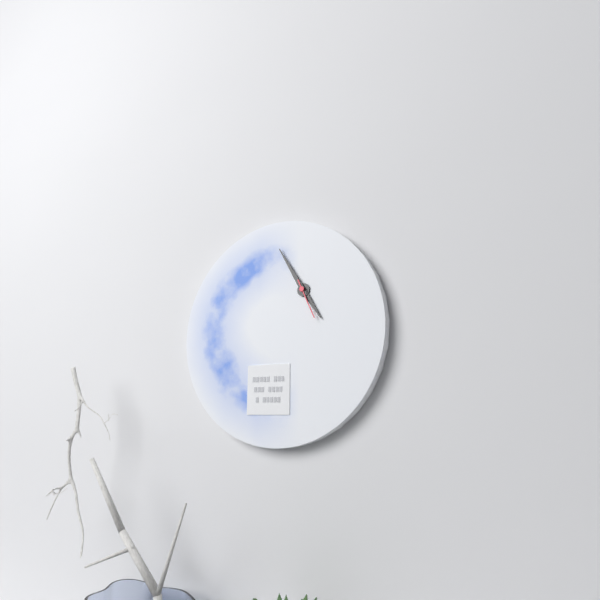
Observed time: **4:55**
